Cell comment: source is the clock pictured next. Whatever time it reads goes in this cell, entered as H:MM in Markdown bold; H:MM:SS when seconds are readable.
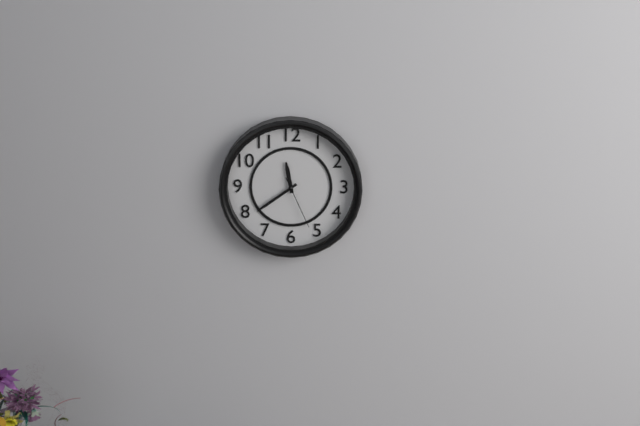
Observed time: **11:39:26**
